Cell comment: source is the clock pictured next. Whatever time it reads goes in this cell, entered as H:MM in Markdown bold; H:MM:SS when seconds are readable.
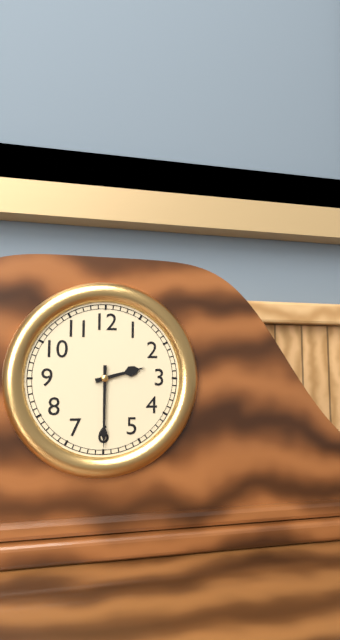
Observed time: **2:30**
